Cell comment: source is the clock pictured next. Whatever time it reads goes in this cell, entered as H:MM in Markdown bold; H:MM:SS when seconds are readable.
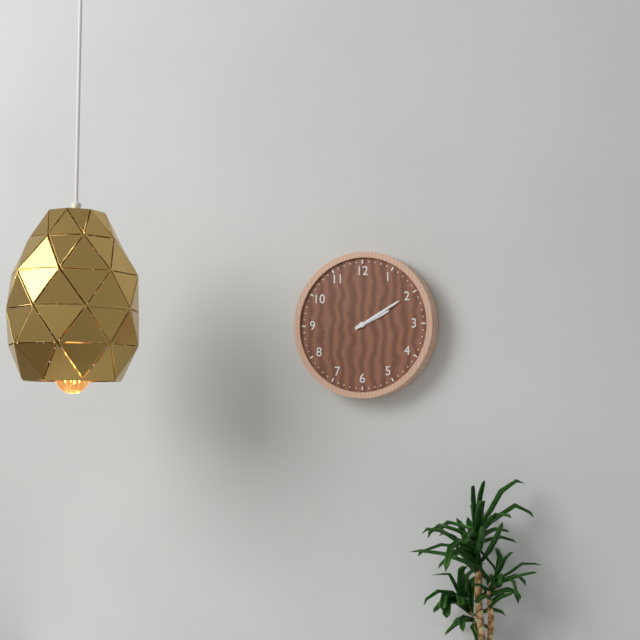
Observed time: **2:10**
